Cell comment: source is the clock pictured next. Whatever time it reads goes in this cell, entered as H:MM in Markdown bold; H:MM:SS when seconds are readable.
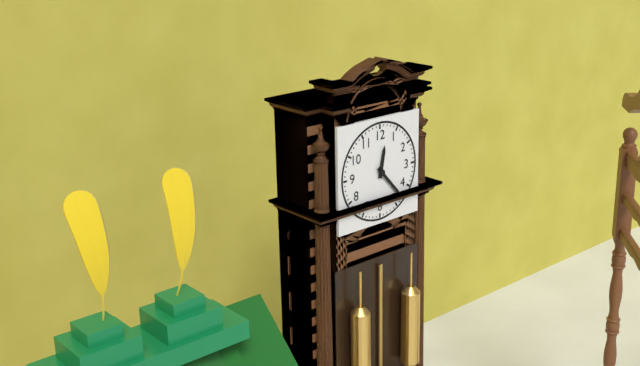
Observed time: **12:23**
